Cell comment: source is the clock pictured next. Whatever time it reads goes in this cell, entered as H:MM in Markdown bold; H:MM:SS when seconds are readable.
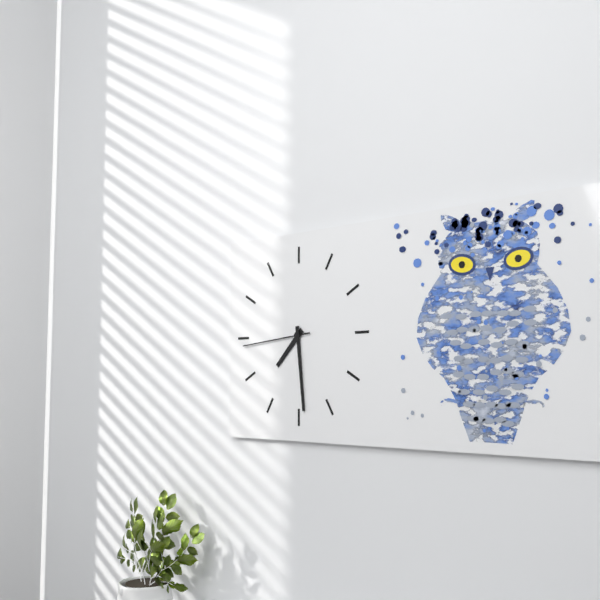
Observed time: **7:29:44**
